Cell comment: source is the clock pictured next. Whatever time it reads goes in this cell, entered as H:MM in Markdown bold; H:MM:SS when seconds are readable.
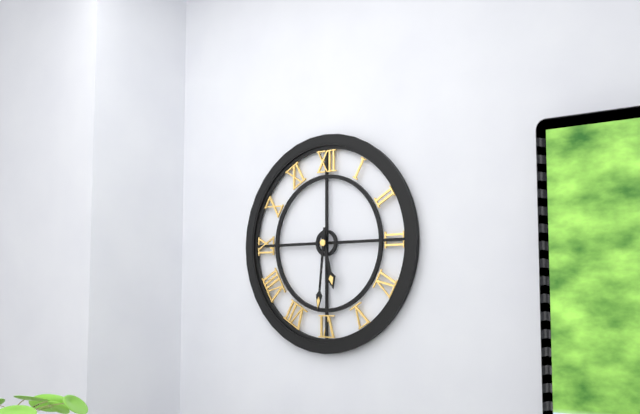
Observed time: **5:31**
